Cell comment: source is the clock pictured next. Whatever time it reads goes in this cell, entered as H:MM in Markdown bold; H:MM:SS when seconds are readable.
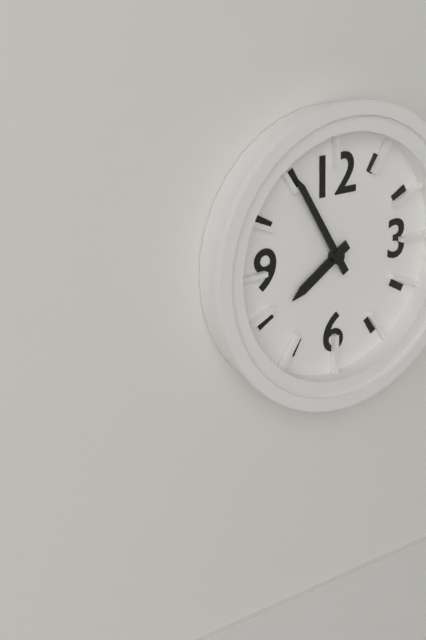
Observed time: **7:55**
